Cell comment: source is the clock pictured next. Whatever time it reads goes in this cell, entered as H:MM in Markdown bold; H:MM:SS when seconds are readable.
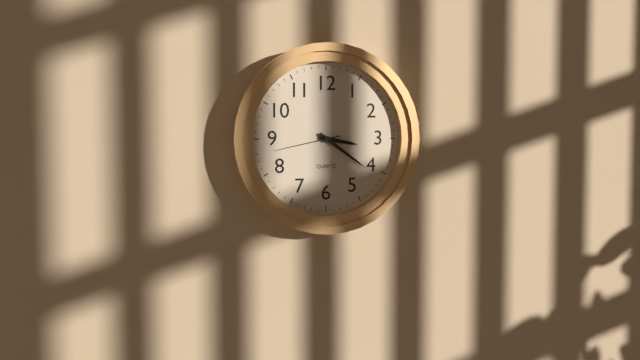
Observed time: **3:21:43**
